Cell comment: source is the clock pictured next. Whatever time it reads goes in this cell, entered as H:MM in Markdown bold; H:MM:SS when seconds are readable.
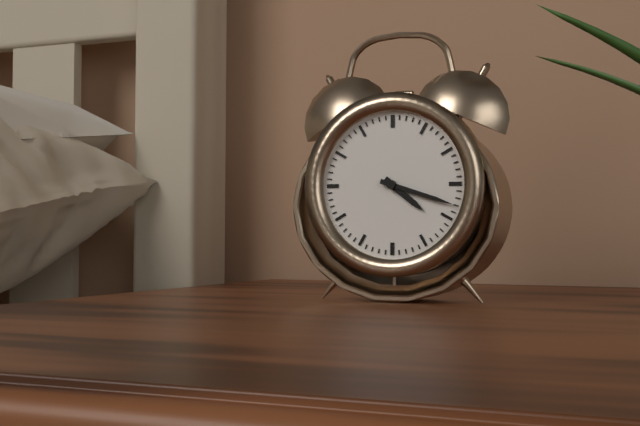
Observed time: **4:18**
